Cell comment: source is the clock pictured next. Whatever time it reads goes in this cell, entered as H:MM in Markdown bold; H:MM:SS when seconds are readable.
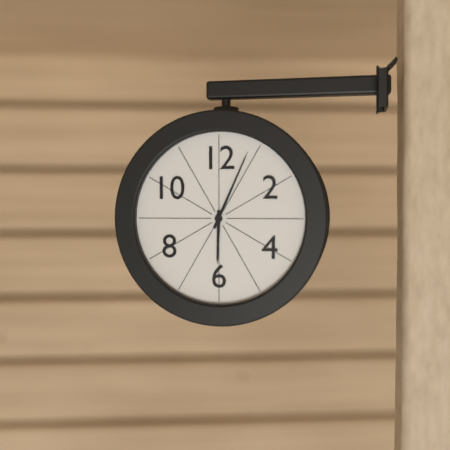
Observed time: **6:04**
